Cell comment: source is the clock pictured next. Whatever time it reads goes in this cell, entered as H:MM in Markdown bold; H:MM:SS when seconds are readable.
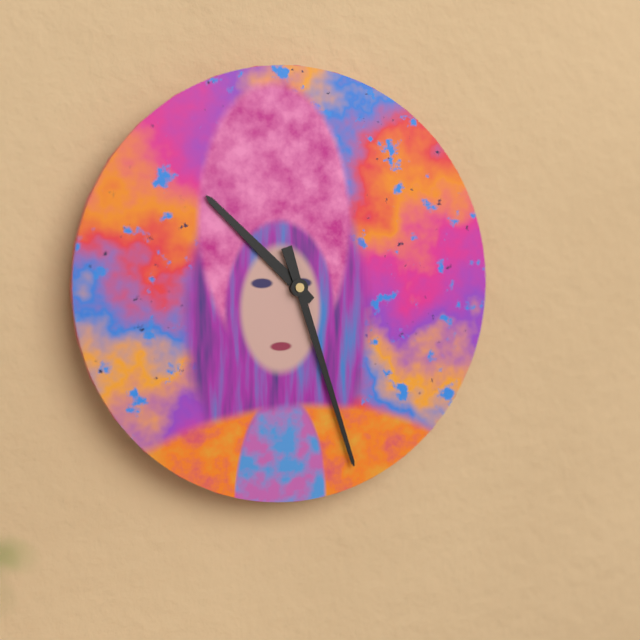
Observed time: **10:27**
